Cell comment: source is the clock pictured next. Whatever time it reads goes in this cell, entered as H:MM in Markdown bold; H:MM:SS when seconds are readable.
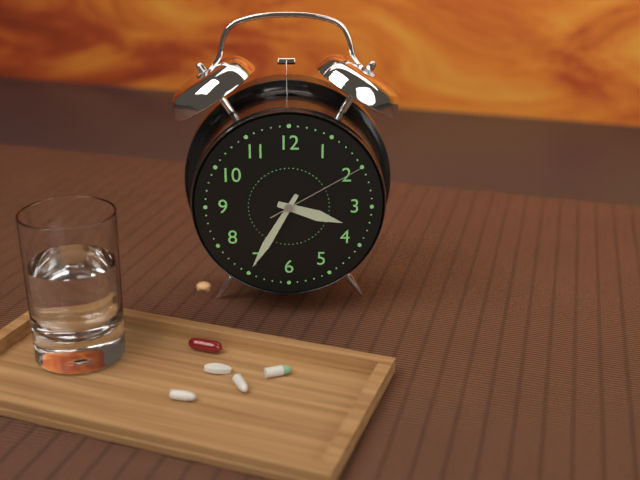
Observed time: **3:35:10**
